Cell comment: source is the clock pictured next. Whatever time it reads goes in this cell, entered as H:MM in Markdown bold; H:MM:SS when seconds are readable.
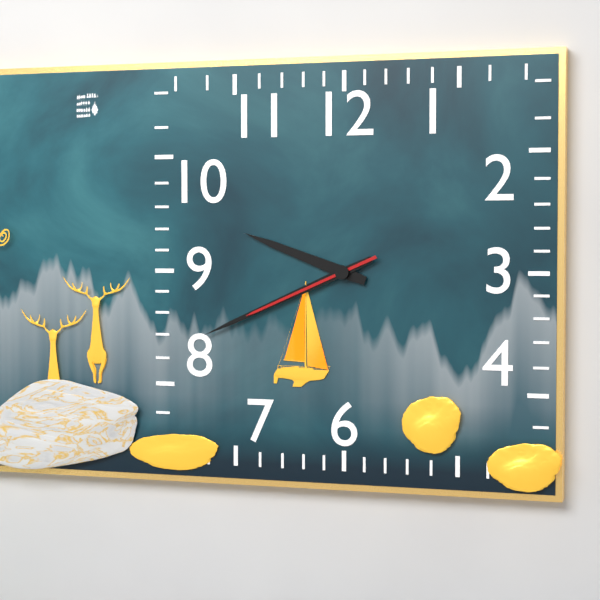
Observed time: **9:41:41**
